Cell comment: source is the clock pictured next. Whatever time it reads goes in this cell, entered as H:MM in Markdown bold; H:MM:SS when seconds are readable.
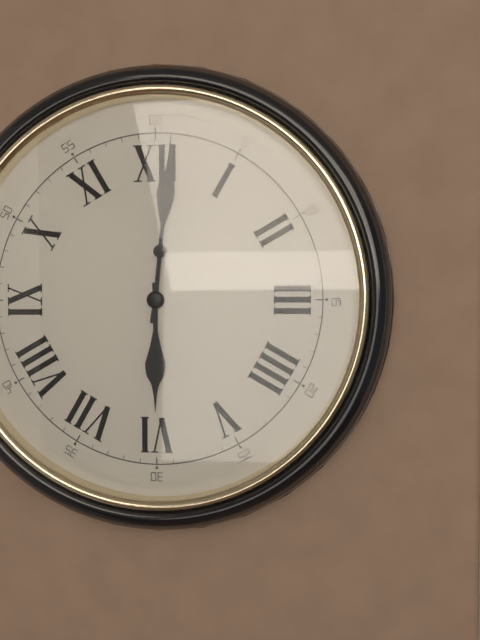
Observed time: **6:01**
